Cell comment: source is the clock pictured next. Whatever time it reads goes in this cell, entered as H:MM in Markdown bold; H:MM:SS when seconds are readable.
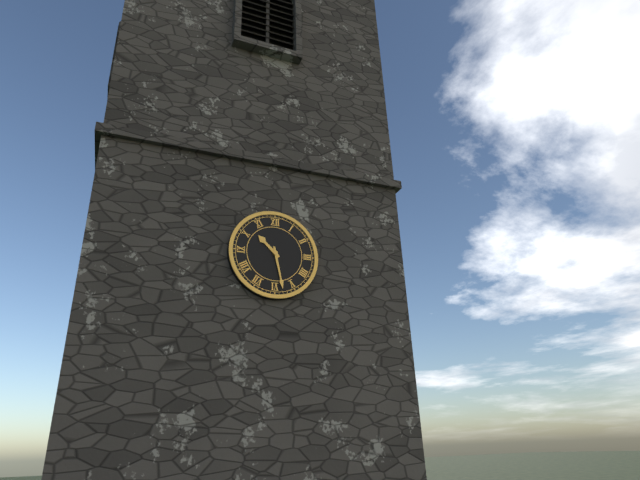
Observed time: **10:28**
